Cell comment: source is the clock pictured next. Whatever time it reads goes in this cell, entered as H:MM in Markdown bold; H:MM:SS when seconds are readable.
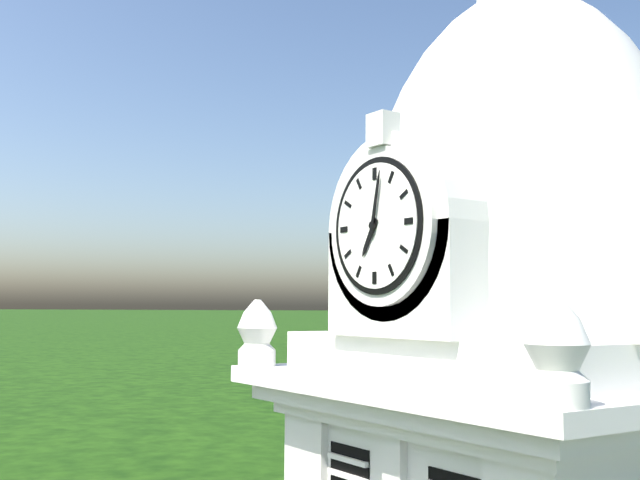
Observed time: **7:02**
